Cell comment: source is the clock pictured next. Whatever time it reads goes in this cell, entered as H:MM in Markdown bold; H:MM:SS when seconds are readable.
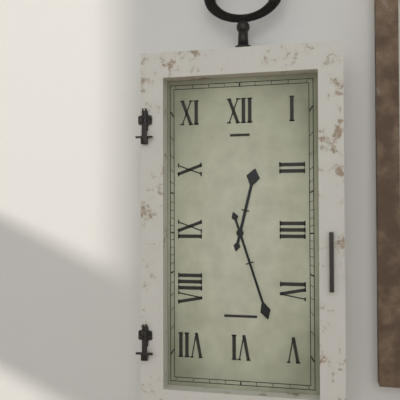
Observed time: **12:27**
